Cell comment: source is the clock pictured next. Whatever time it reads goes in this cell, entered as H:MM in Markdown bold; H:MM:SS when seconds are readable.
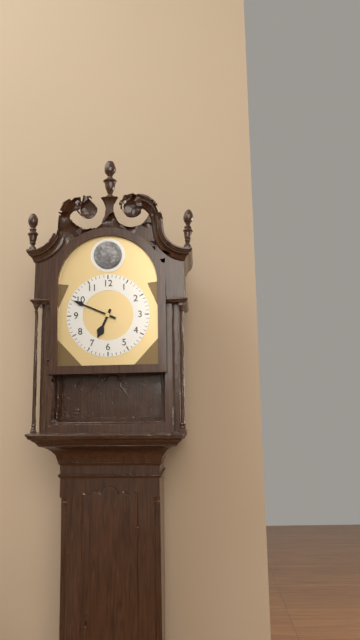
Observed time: **6:49**
